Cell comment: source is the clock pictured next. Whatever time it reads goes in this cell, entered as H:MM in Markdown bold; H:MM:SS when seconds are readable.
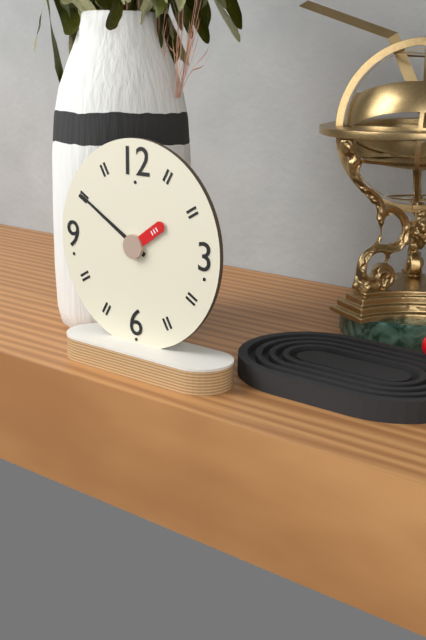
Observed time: **1:50**
